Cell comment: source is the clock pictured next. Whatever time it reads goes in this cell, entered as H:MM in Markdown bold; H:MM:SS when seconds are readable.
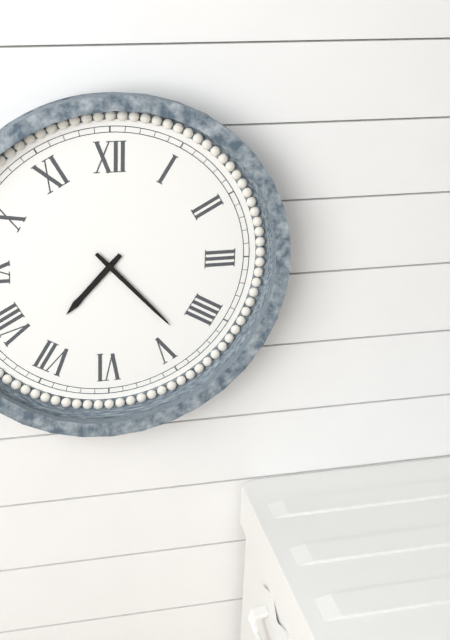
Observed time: **7:23**
